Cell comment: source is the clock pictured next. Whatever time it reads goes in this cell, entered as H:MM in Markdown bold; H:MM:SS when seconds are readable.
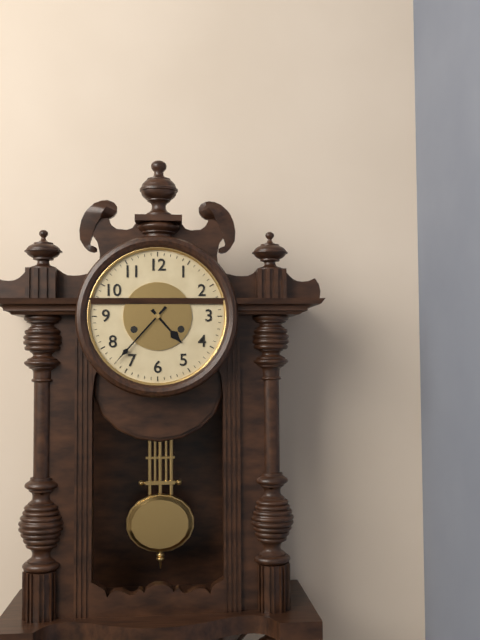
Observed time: **4:37**
